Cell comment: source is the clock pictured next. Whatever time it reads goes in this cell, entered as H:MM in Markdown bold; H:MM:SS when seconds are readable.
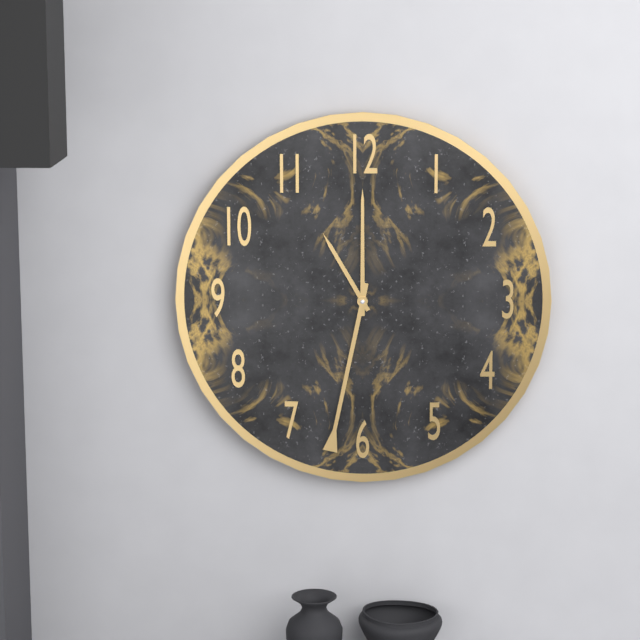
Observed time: **11:00:32**
